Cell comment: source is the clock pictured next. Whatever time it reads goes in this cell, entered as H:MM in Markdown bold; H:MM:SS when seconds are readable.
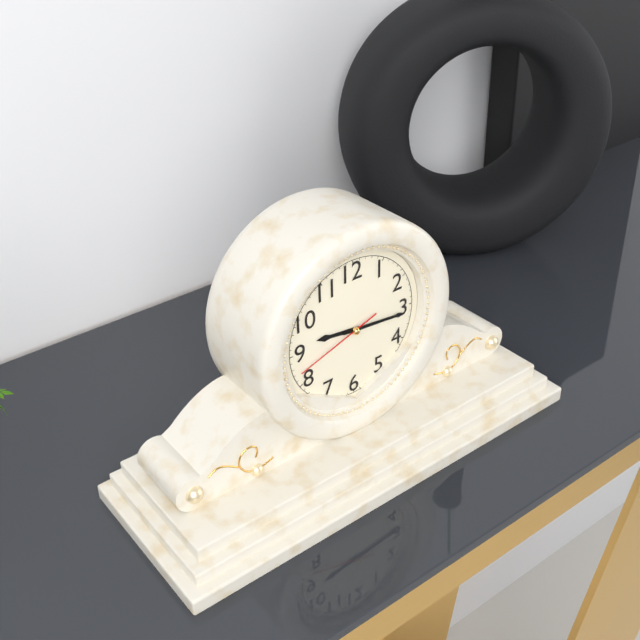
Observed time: **9:16:42**
